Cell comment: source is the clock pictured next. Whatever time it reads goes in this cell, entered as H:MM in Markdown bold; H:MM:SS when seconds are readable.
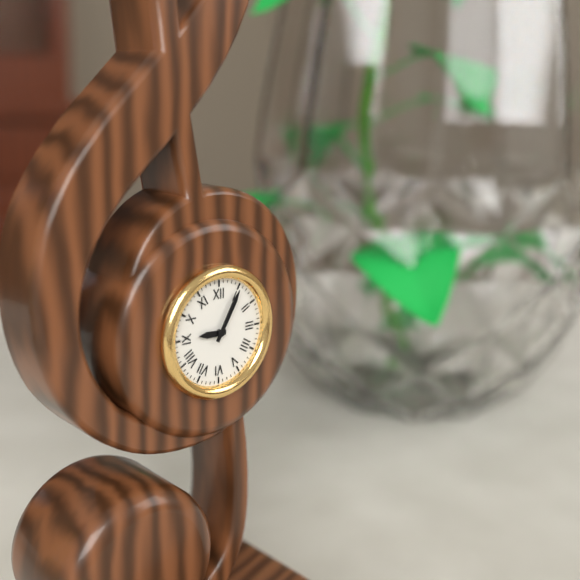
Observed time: **9:05**
